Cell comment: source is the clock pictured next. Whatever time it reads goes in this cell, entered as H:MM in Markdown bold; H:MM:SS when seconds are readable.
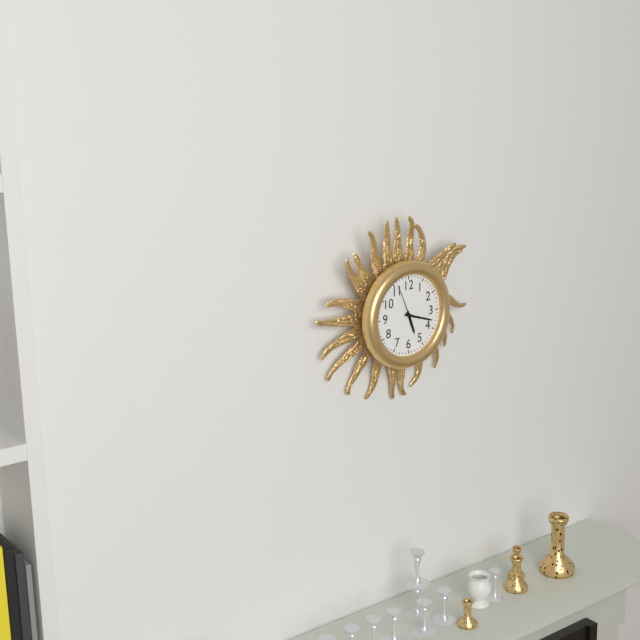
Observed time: **5:18**
